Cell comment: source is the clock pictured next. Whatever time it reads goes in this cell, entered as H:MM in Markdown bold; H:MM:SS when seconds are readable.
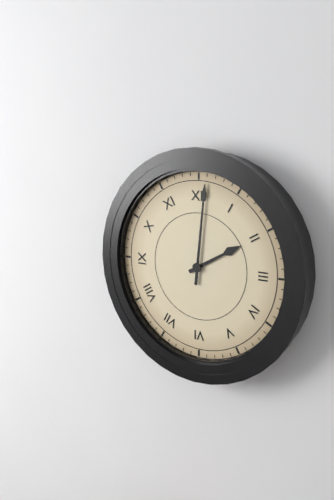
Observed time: **2:01**
